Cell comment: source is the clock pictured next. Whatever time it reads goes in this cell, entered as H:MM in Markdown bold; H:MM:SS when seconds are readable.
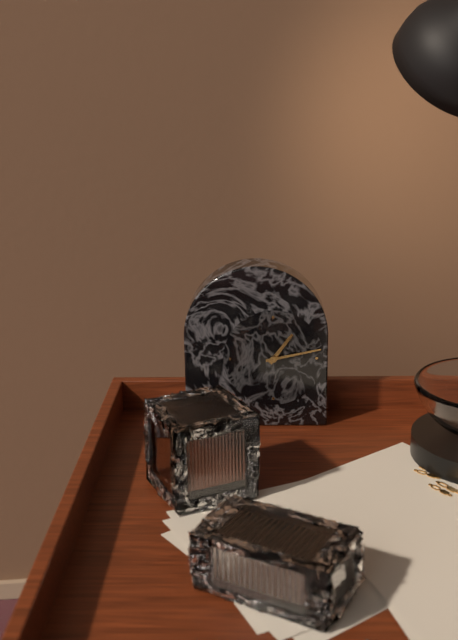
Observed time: **1:13**
